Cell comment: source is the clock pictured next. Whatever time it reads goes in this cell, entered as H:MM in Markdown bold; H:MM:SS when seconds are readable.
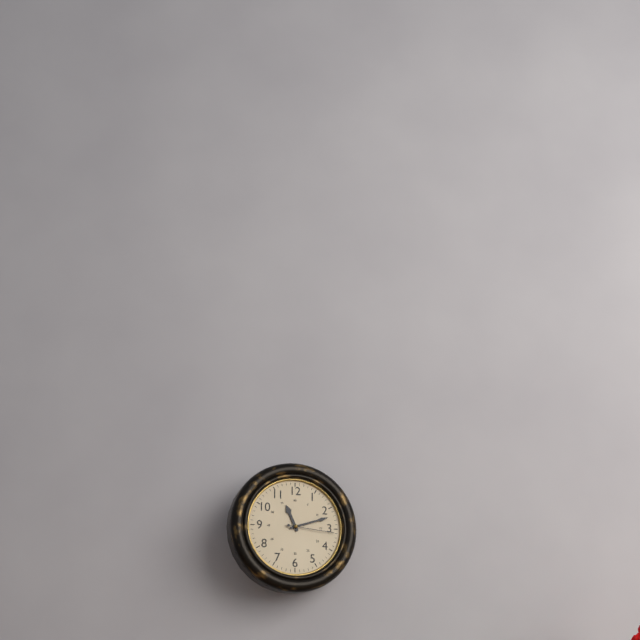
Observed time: **11:12**
